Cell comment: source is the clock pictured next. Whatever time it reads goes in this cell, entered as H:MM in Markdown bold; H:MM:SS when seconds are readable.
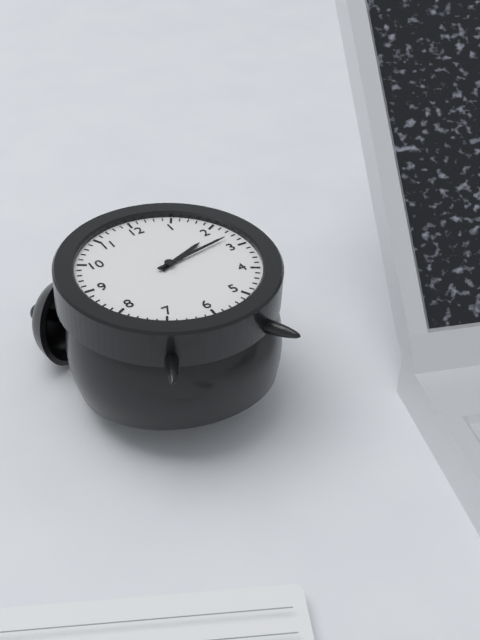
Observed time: **2:13**
